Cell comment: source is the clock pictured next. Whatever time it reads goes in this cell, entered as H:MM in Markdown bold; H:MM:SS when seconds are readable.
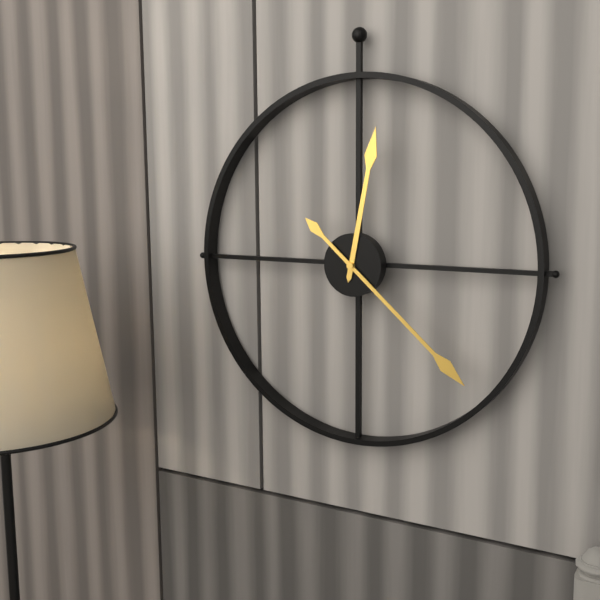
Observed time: **12:22**
